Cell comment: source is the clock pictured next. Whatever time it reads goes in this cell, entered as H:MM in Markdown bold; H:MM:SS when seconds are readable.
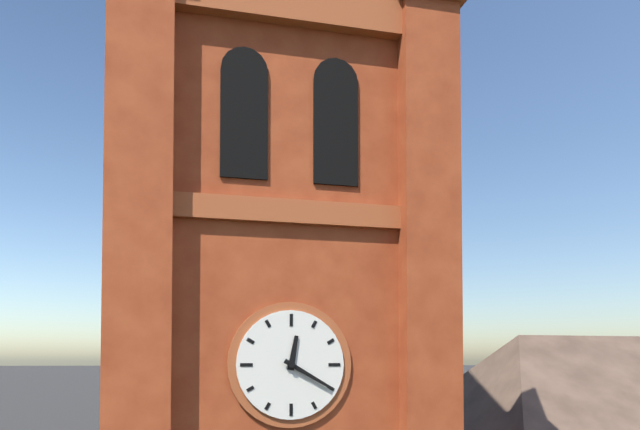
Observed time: **12:20**
